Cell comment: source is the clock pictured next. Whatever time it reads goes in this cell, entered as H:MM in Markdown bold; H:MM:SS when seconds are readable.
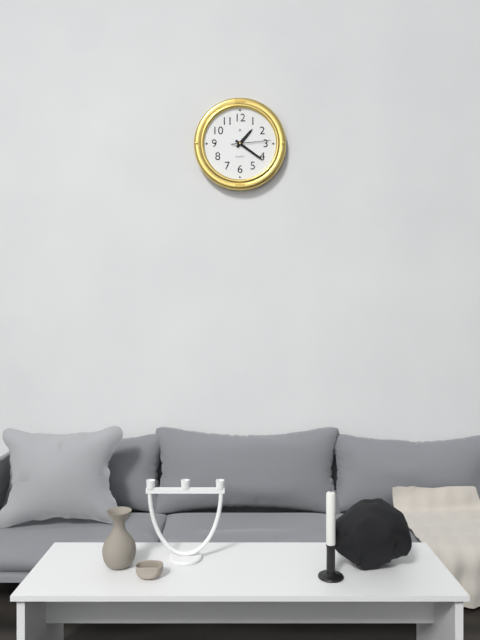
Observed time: **1:21**
